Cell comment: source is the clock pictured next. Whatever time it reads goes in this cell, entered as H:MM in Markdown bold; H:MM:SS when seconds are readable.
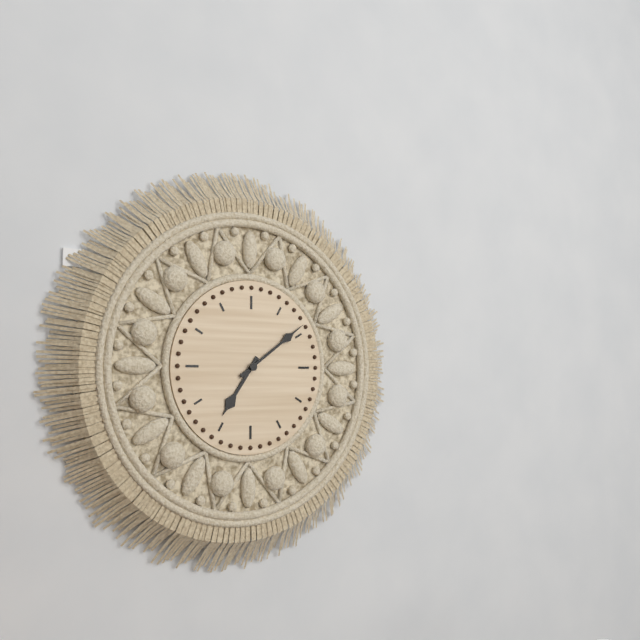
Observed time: **7:09**
